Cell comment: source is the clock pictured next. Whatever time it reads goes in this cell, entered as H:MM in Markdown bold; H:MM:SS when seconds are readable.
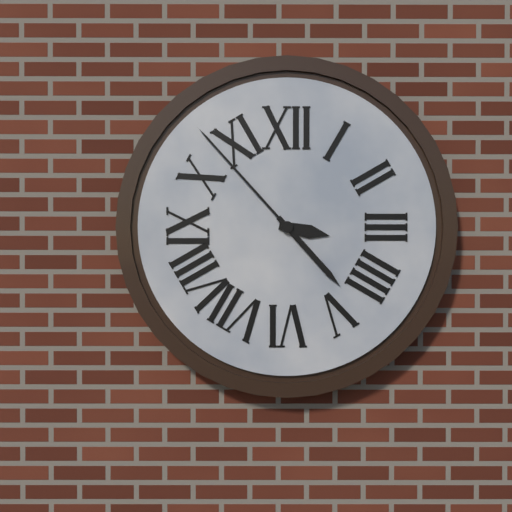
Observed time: **3:23:53**
